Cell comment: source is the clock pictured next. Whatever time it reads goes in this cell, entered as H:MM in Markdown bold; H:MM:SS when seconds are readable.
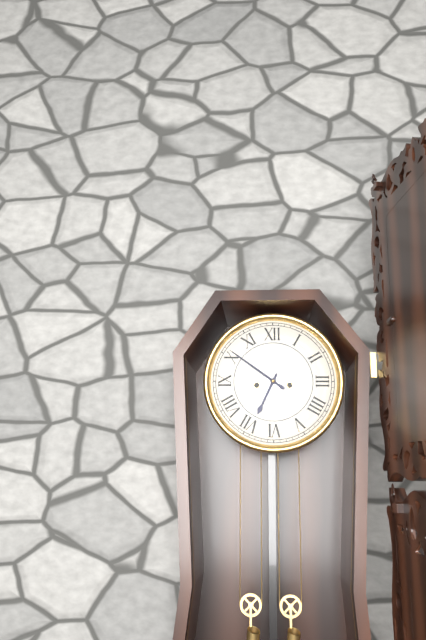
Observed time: **6:51**
